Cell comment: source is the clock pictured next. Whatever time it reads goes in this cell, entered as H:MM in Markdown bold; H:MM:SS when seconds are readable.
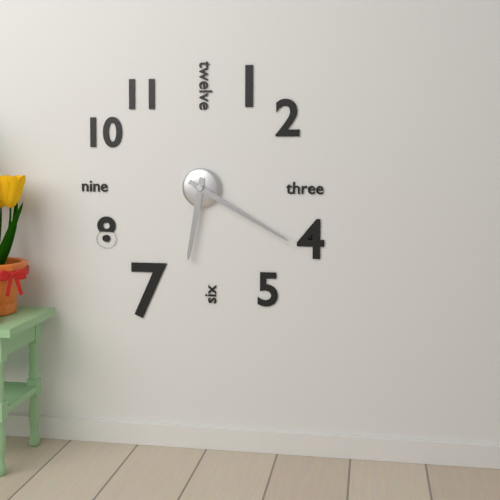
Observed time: **6:20**
